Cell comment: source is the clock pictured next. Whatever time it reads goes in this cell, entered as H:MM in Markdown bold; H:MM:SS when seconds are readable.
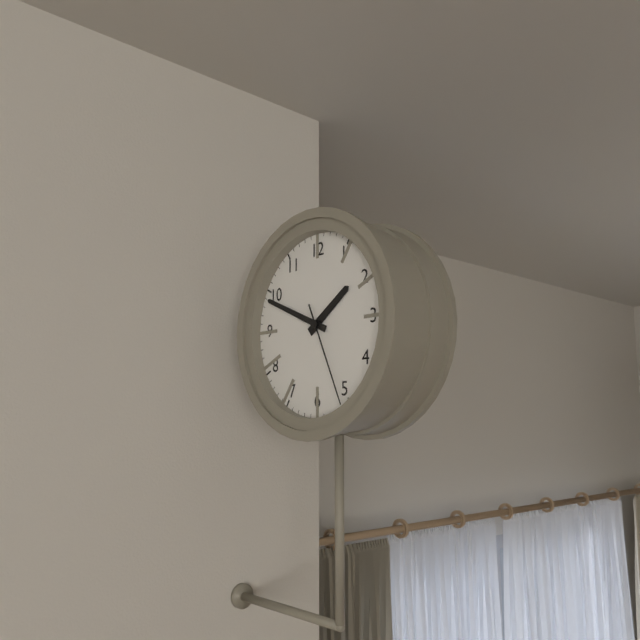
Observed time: **1:49:26**
